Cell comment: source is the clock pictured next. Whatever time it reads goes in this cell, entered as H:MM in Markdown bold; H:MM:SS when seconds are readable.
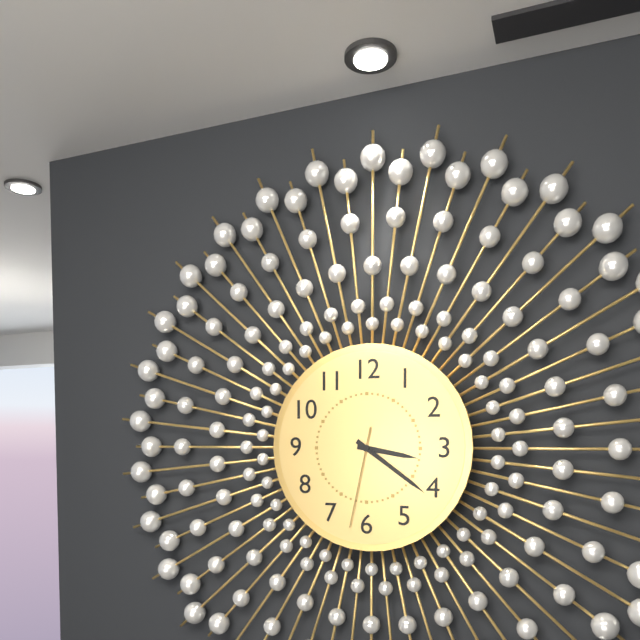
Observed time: **3:21:32**
